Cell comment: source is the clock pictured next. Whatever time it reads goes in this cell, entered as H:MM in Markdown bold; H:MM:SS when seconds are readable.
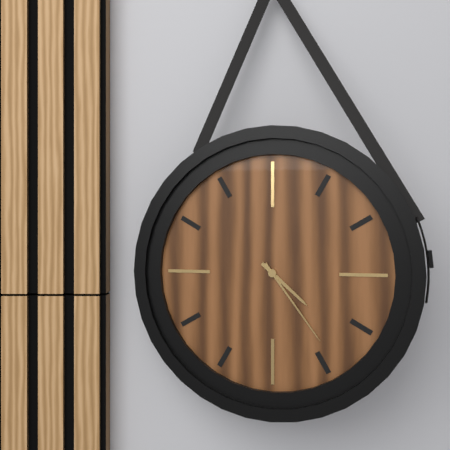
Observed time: **4:24**
